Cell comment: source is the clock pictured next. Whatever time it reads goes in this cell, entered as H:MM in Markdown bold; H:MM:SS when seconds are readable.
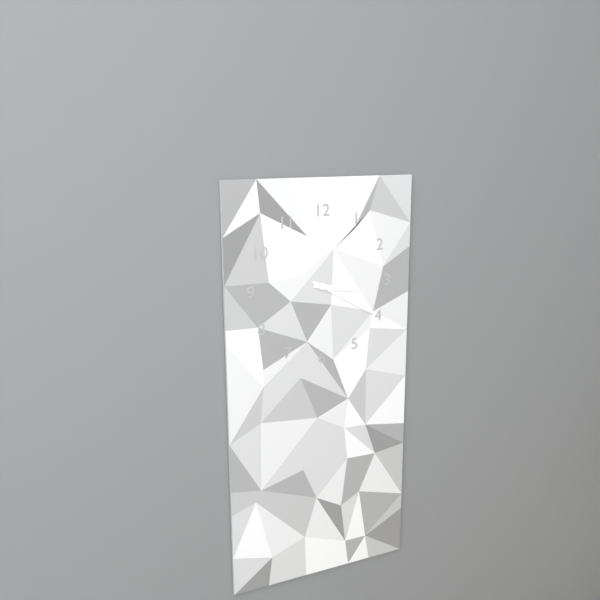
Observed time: **3:20**
